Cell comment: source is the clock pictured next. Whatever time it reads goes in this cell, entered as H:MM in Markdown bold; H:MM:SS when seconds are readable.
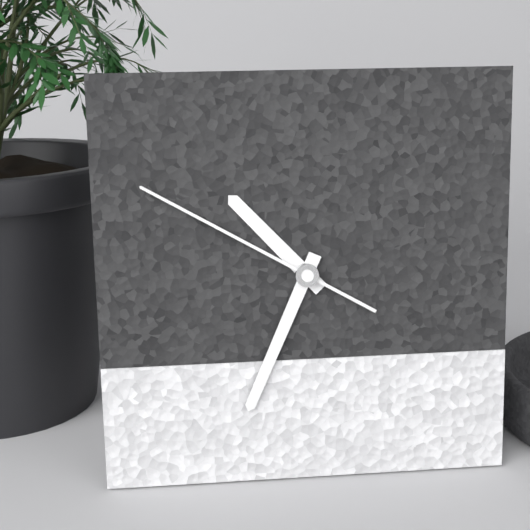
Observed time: **10:34:50**
